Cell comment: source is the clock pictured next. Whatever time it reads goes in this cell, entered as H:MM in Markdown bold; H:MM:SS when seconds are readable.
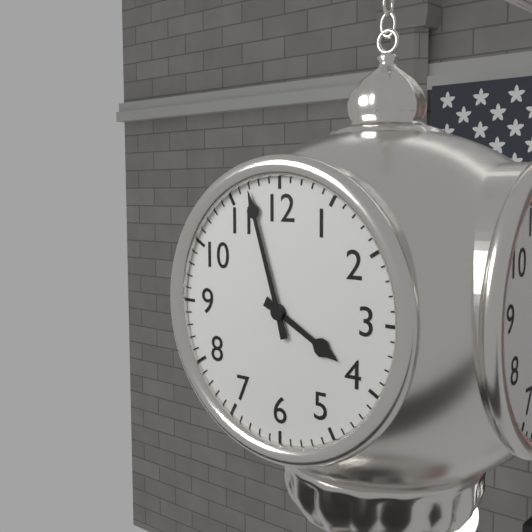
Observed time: **3:57**
